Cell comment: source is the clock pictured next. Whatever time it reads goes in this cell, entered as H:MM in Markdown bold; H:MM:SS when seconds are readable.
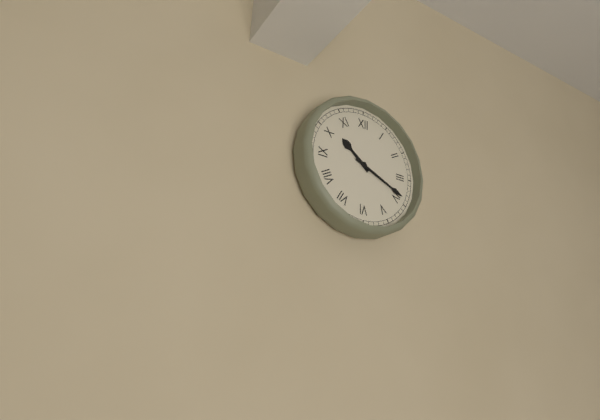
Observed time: **10:19**
